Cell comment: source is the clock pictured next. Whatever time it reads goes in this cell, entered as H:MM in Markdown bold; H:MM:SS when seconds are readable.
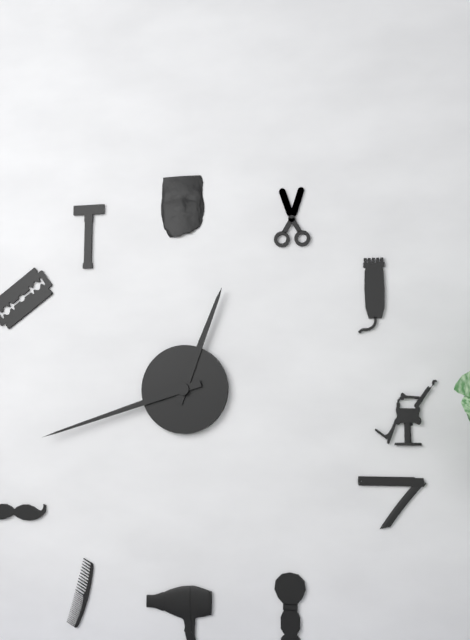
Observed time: **12:42**
